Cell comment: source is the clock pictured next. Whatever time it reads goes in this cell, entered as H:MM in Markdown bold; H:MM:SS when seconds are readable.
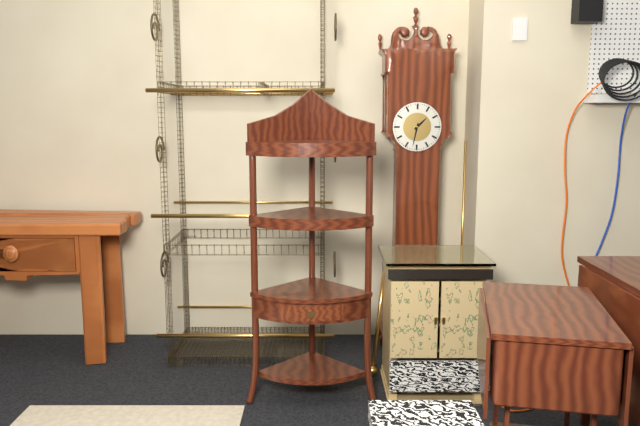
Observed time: **1:32**
